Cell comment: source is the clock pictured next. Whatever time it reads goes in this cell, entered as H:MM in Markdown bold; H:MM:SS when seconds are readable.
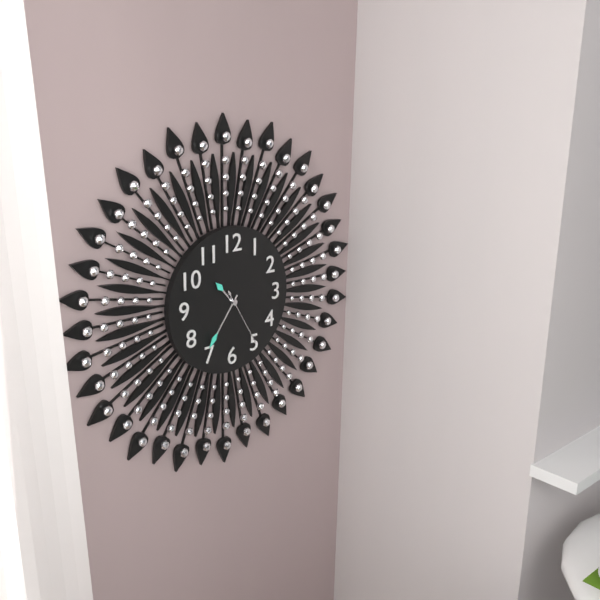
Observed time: **10:36:25**
